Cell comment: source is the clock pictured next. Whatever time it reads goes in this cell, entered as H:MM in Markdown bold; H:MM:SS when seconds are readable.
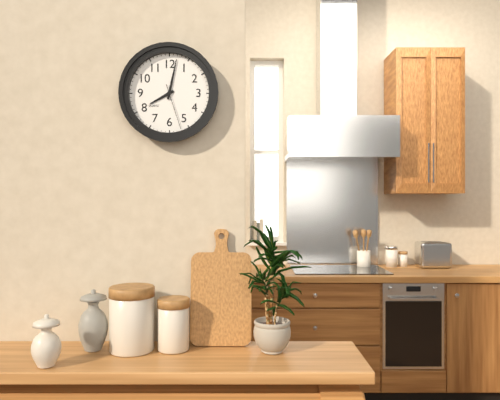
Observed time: **8:02**
